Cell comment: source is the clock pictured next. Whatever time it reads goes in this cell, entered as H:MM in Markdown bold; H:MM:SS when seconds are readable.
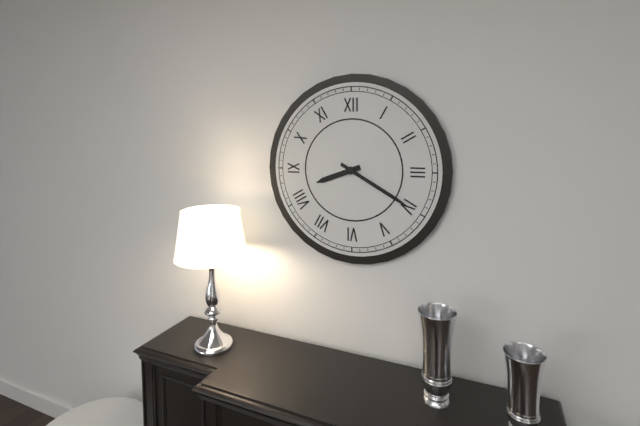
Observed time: **8:20**
